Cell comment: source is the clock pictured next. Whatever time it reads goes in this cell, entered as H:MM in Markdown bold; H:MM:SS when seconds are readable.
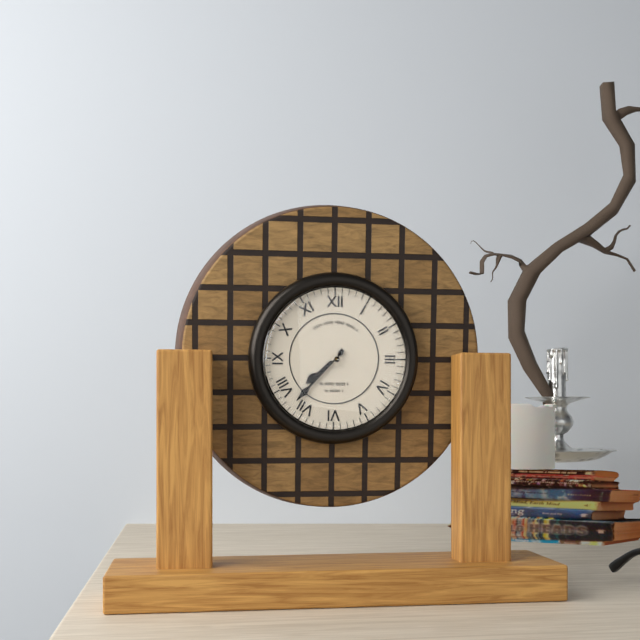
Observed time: **7:37**
